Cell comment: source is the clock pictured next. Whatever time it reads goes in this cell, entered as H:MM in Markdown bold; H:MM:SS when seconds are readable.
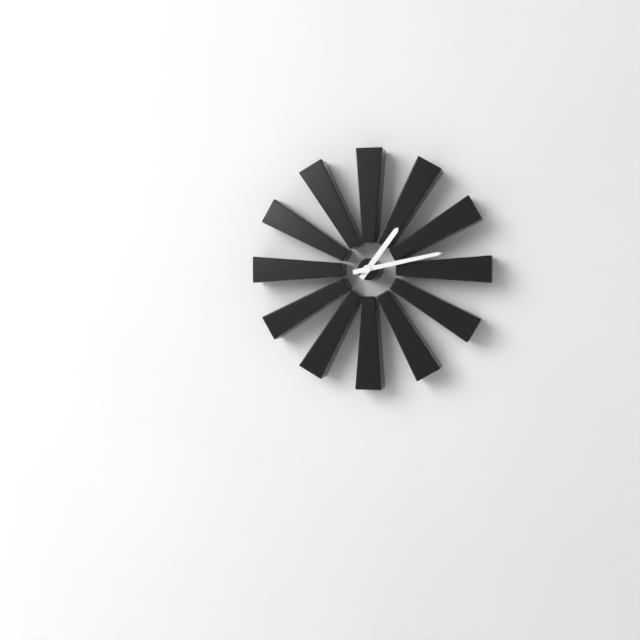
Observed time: **1:13**
